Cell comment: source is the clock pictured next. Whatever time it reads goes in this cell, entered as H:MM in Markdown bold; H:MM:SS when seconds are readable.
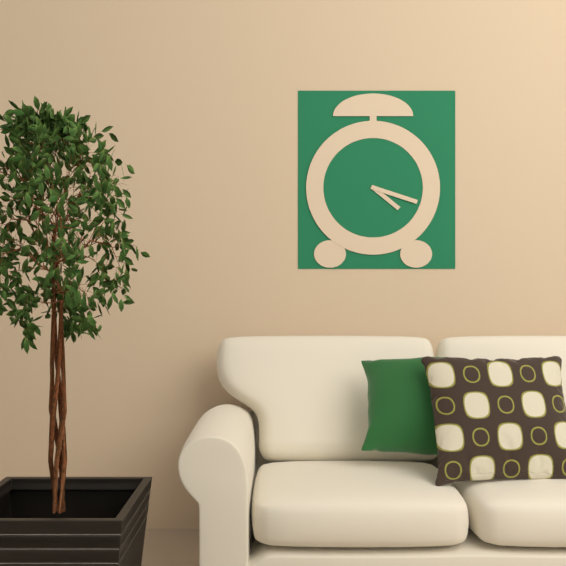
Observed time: **4:18**
